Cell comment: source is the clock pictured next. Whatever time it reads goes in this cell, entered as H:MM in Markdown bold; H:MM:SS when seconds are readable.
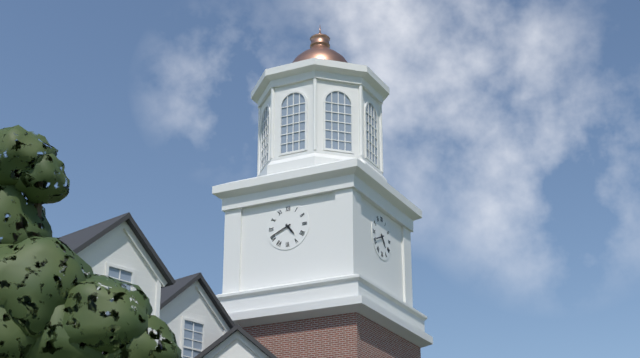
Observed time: **4:41**
